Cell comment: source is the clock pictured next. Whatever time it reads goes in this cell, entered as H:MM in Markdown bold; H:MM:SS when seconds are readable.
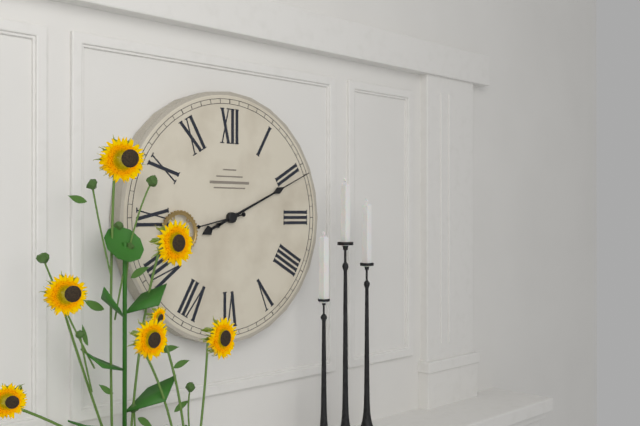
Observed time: **8:11**
